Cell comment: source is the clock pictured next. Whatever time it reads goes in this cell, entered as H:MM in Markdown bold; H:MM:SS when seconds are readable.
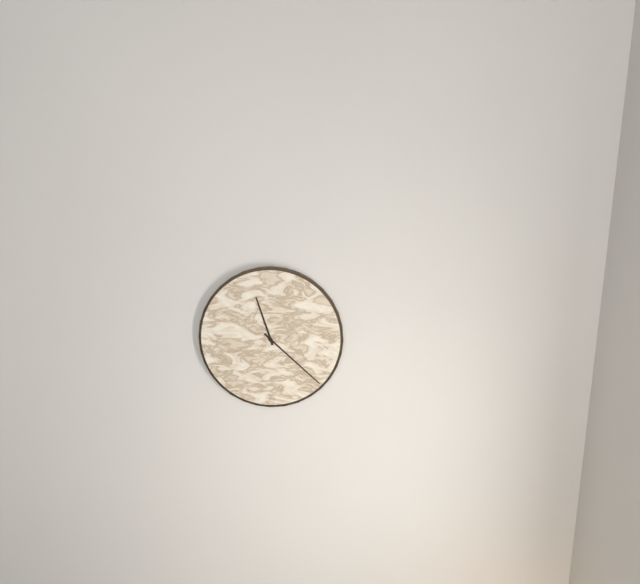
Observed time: **11:22**
